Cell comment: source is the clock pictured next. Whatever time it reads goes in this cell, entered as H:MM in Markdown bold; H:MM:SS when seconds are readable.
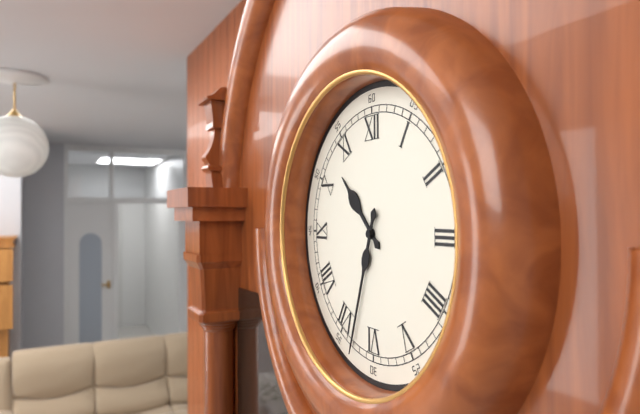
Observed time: **10:33**
